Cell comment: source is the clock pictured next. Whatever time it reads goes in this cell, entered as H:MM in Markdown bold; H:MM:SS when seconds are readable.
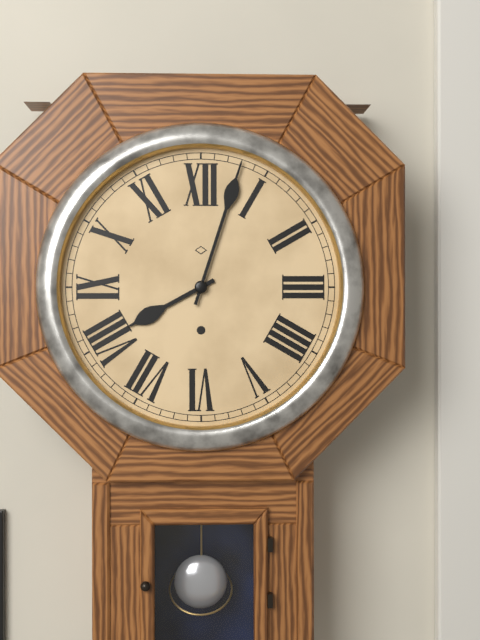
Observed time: **8:03**
